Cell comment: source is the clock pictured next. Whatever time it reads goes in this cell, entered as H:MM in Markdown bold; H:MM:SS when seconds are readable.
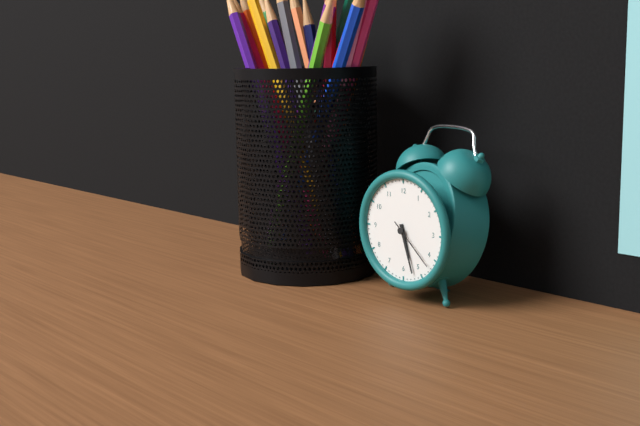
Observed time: **5:27:22**
